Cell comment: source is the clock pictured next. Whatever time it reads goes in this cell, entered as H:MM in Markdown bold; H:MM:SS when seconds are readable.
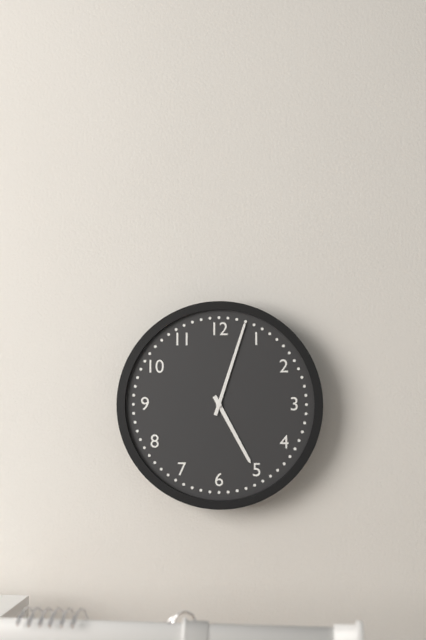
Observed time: **5:03**
